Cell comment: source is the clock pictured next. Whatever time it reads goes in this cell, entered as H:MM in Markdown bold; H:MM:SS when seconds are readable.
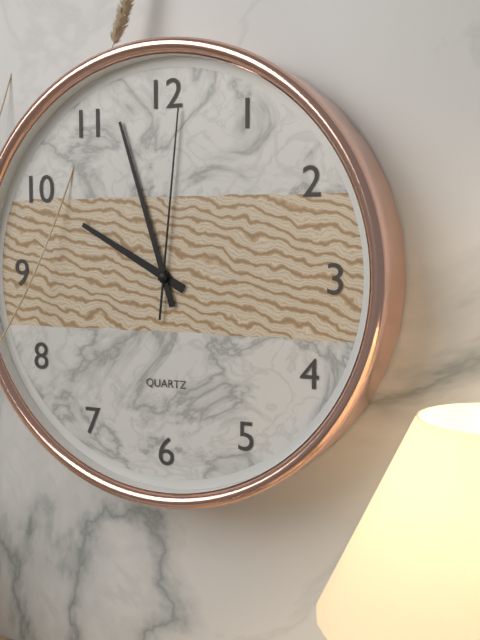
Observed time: **9:57:01**
